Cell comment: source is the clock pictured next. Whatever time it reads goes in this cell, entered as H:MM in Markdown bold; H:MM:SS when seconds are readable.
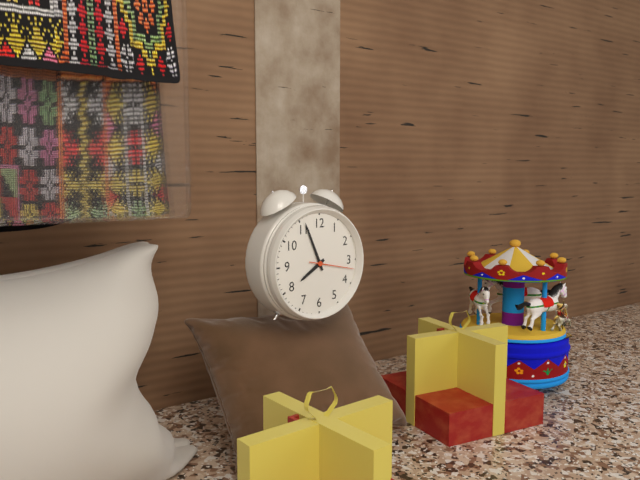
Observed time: **7:56**
